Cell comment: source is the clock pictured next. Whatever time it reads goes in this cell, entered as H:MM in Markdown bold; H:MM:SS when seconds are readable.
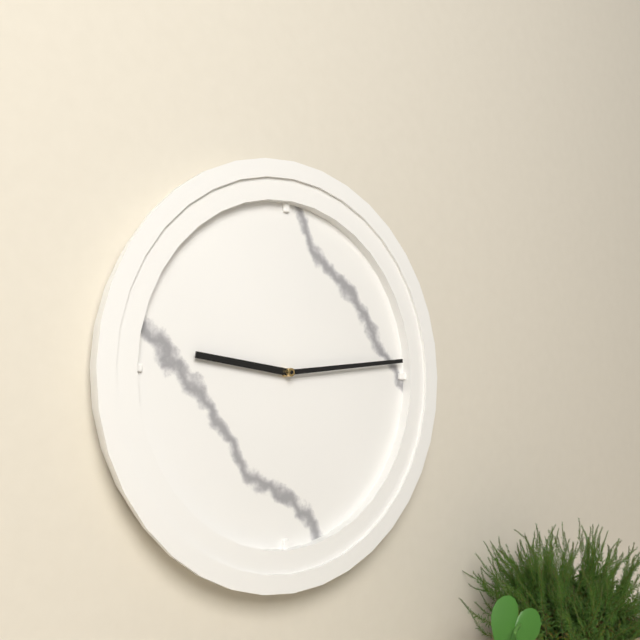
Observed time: **9:14**
